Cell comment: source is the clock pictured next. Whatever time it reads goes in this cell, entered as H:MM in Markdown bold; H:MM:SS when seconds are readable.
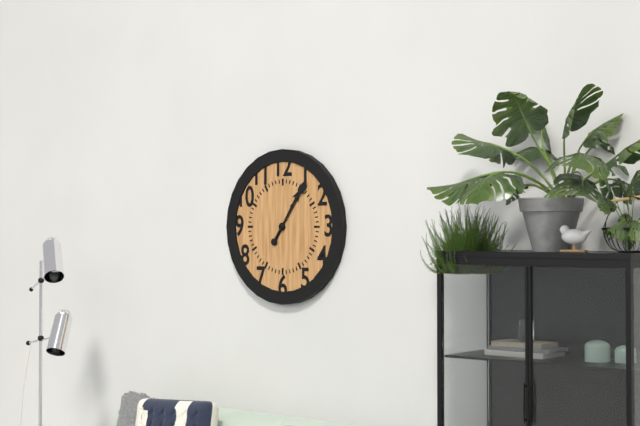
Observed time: **1:06**
